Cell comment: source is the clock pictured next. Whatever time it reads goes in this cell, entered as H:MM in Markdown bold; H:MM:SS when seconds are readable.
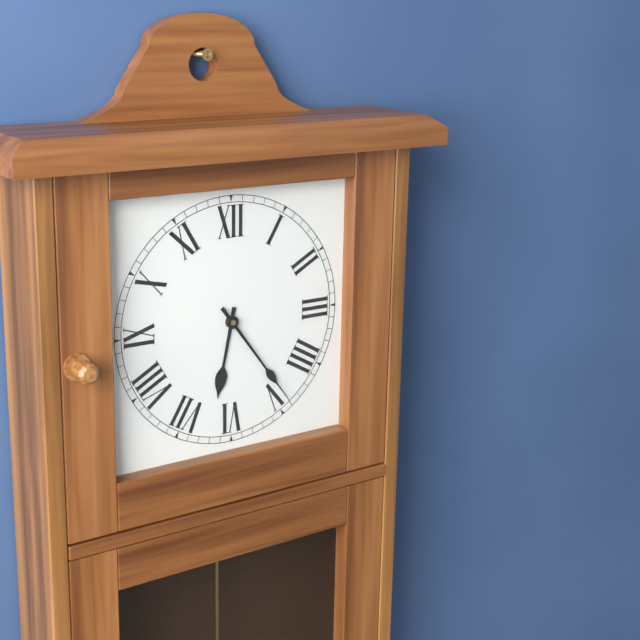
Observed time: **6:24**
